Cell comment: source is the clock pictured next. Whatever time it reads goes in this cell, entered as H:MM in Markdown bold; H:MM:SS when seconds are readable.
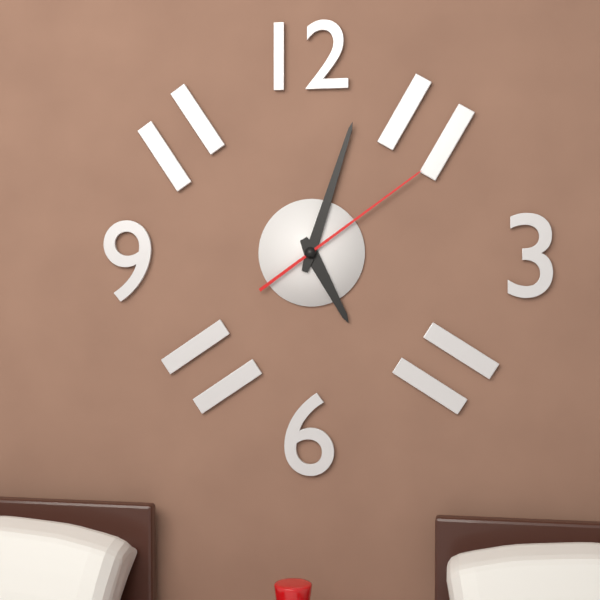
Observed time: **5:03:09**
